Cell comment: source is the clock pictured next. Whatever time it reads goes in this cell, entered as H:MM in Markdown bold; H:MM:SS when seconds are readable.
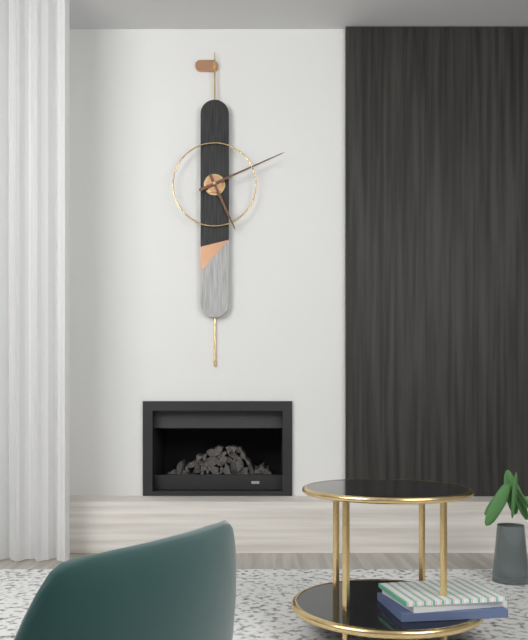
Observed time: **5:11**
